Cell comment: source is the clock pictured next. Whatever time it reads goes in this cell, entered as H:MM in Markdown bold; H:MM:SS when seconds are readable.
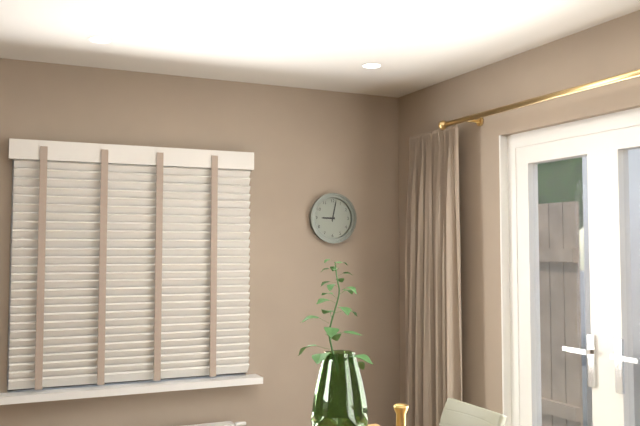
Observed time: **9:02**
